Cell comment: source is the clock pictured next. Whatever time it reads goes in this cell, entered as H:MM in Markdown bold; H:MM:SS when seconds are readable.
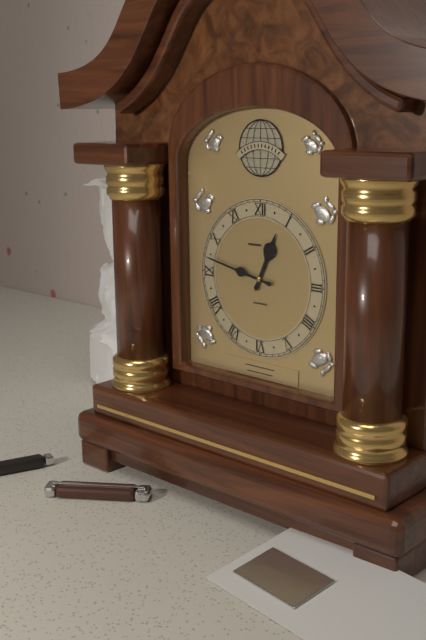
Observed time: **12:47**
